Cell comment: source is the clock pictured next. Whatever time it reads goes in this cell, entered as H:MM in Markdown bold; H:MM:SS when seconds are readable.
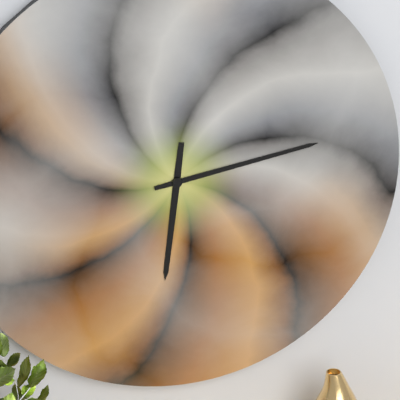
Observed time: **6:13**
